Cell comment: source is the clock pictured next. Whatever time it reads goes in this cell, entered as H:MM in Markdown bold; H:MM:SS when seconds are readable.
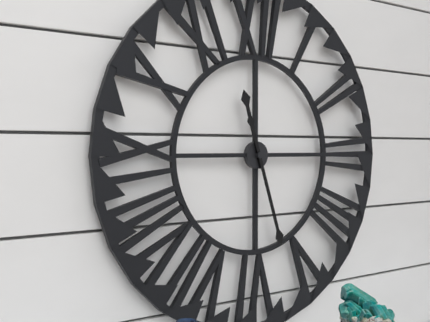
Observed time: **11:27**
